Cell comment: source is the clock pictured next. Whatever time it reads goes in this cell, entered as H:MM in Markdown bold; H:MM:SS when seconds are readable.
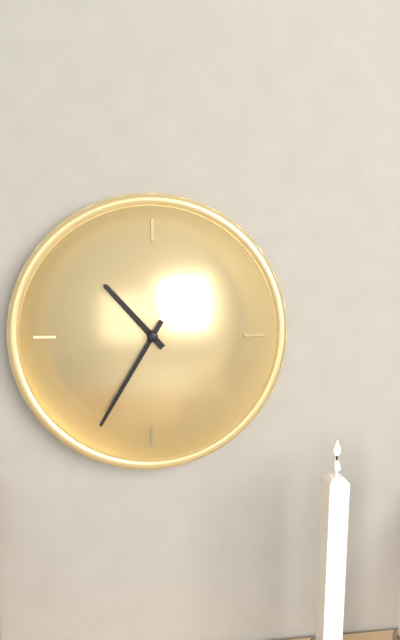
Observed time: **10:35**
